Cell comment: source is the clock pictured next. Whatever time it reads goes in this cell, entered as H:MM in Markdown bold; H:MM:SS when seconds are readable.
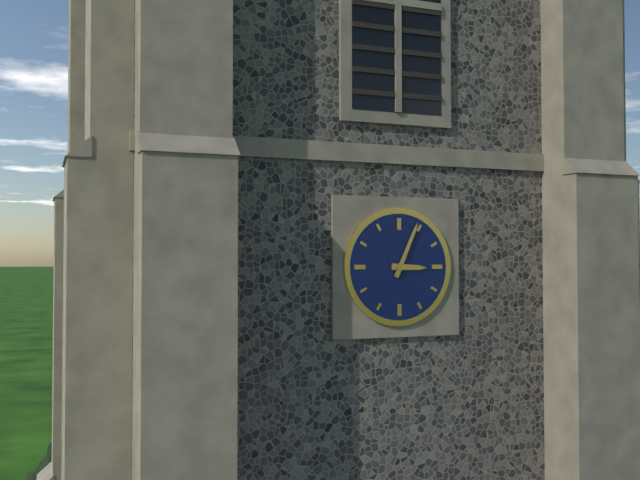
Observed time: **3:04**
